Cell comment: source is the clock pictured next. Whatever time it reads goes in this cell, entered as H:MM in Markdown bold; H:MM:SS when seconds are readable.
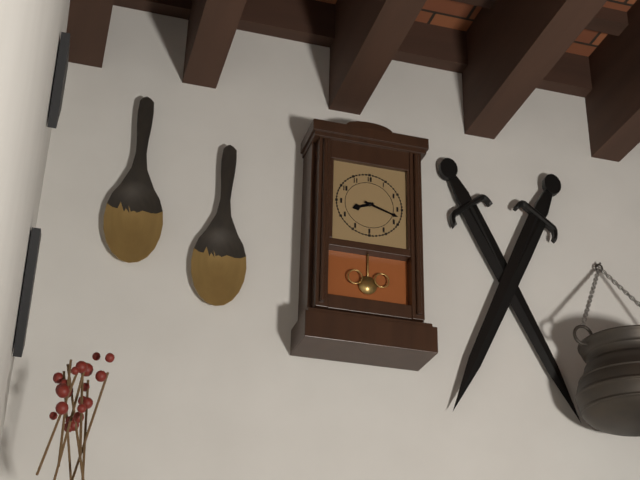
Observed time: **8:18**
